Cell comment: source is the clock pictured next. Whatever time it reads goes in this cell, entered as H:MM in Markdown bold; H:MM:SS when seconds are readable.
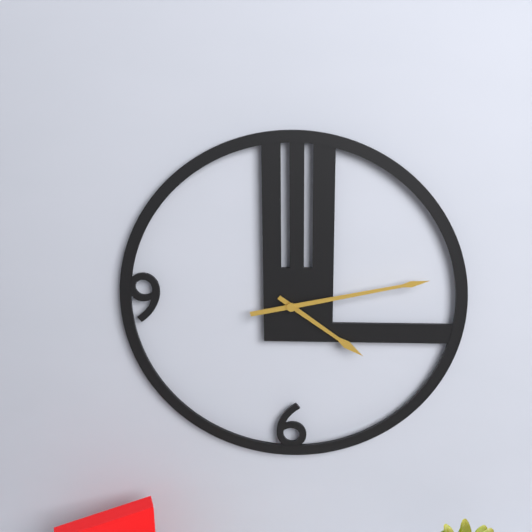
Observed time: **4:13**
